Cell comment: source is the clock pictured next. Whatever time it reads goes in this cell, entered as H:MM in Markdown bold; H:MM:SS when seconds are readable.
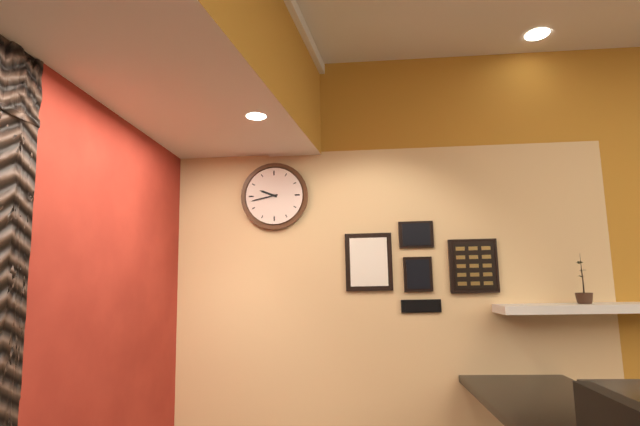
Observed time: **9:43**
